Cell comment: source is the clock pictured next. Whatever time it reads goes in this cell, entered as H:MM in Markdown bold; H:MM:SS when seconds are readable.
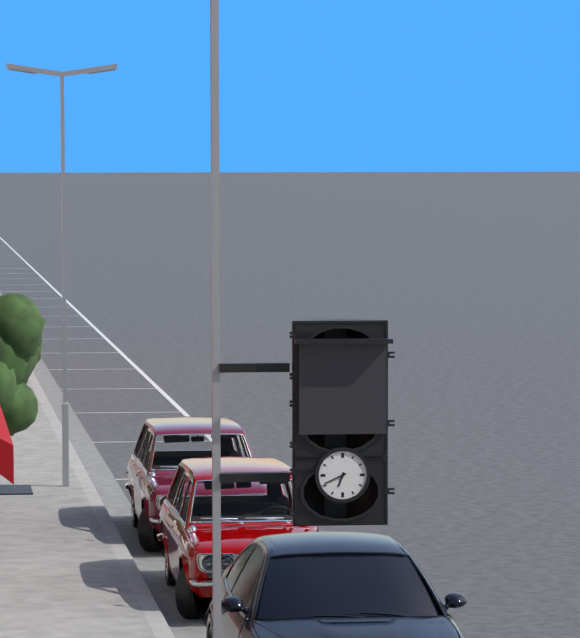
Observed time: **6:41**
